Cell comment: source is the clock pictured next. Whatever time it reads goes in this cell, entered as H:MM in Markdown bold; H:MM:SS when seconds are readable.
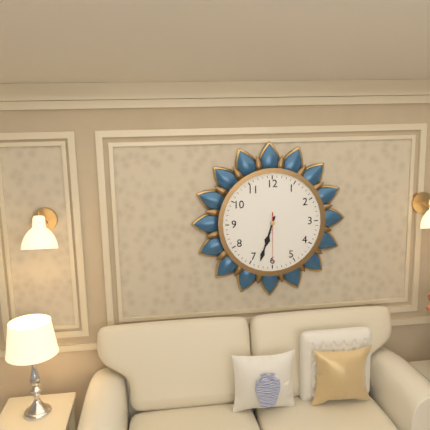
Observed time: **6:33:30**
